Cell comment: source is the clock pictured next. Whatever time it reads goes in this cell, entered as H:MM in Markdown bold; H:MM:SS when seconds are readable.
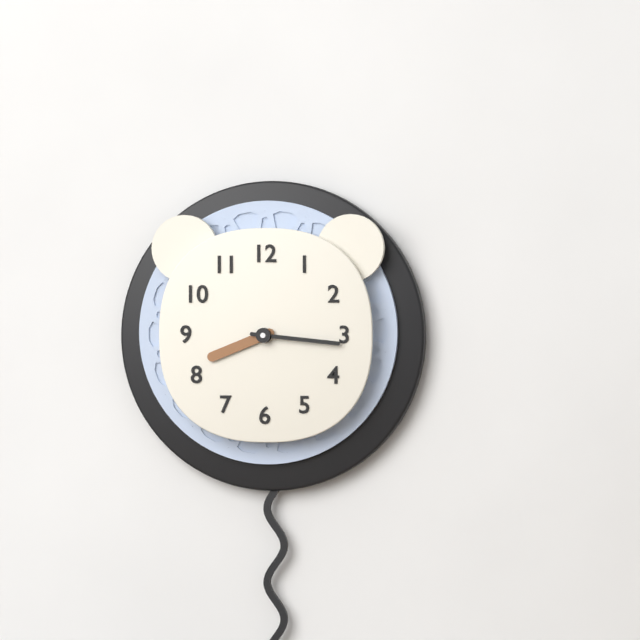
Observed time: **8:16**
